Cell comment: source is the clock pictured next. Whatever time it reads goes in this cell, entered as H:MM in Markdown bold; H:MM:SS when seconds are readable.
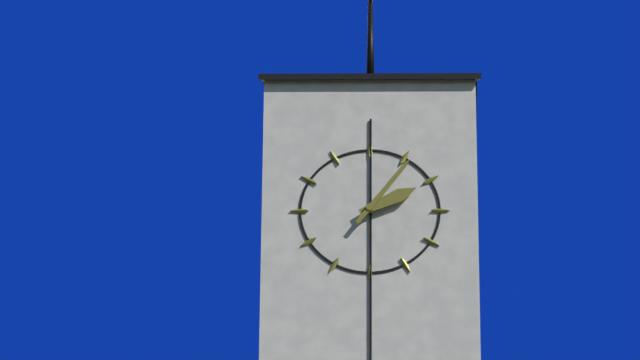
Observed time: **2:06**
